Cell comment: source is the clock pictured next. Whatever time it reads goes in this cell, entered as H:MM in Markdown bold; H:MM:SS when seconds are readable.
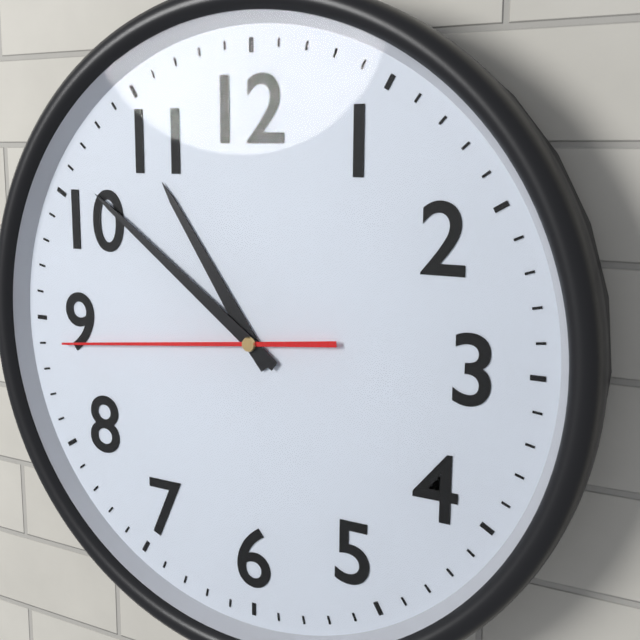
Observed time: **10:51:44**
